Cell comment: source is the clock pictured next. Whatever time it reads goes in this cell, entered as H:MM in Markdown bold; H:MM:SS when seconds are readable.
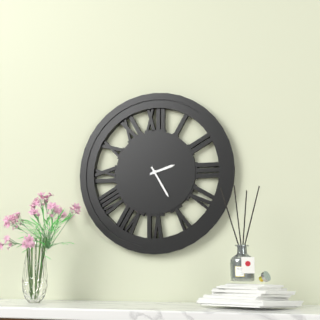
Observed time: **2:25**
